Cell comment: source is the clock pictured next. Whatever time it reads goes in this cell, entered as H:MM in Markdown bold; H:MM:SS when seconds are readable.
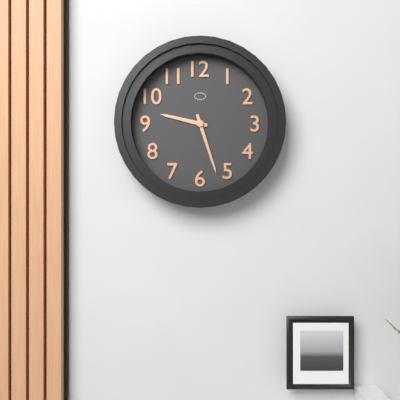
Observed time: **9:27**
